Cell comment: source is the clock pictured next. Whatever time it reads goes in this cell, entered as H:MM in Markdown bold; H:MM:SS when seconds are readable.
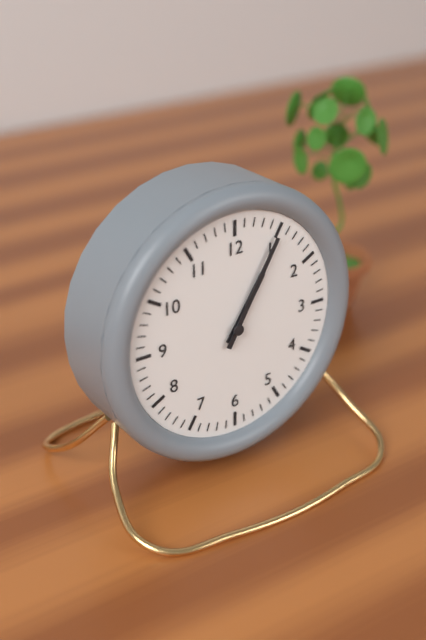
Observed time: **1:05**
